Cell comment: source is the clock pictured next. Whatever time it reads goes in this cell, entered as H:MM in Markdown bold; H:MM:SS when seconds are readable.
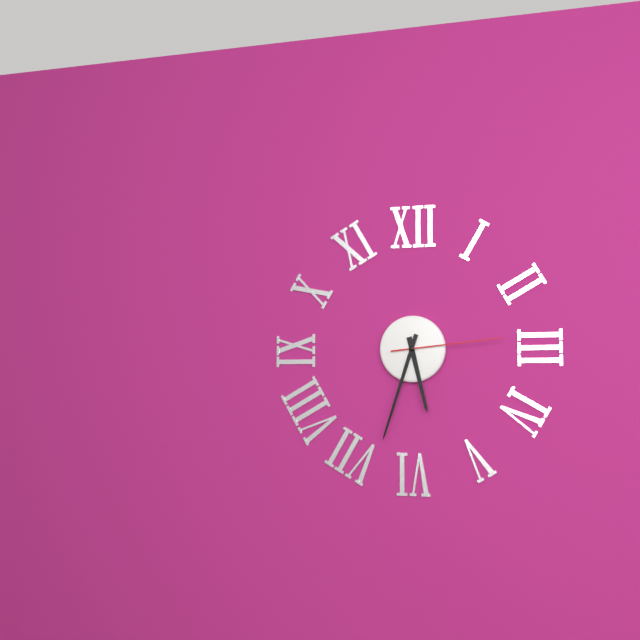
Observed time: **5:33:14**
